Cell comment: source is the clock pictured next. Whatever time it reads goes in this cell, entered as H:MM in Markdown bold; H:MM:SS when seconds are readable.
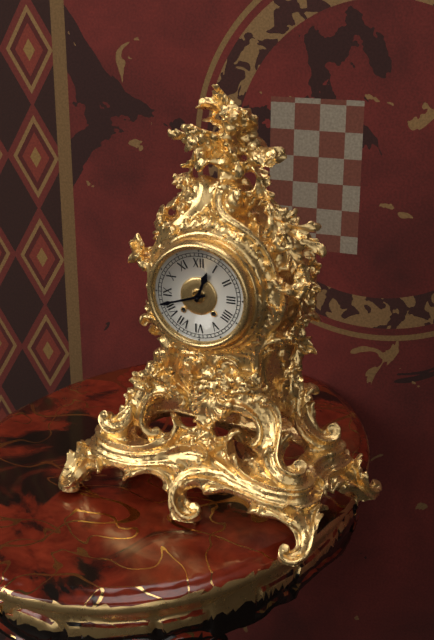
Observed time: **12:42**
